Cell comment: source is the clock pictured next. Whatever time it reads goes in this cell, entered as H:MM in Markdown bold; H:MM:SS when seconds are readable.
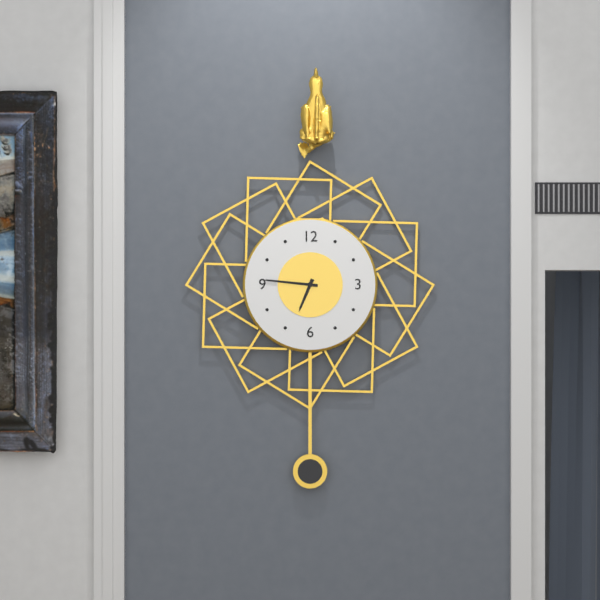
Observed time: **6:46**
